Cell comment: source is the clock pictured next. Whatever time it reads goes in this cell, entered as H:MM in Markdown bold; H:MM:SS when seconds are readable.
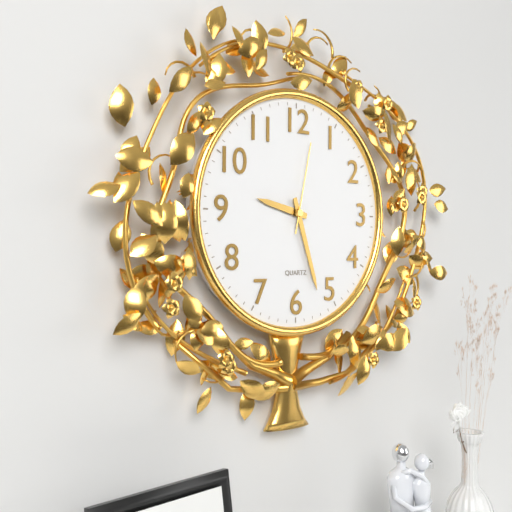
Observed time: **9:27:02**
